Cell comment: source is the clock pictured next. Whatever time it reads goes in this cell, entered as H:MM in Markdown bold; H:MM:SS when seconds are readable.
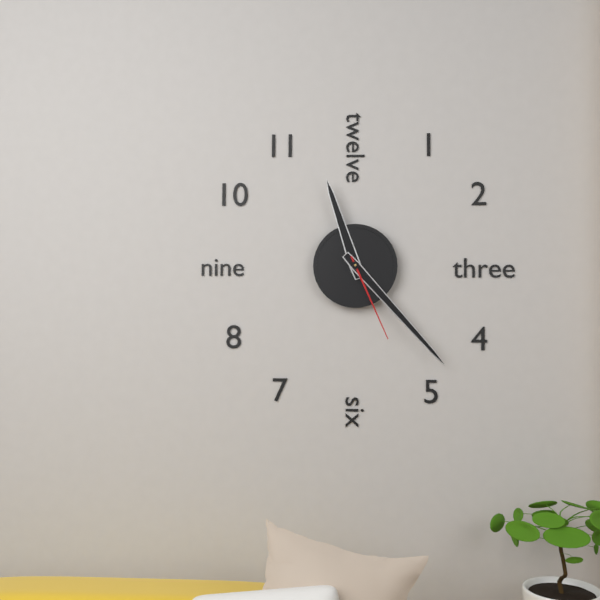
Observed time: **11:23:26**
